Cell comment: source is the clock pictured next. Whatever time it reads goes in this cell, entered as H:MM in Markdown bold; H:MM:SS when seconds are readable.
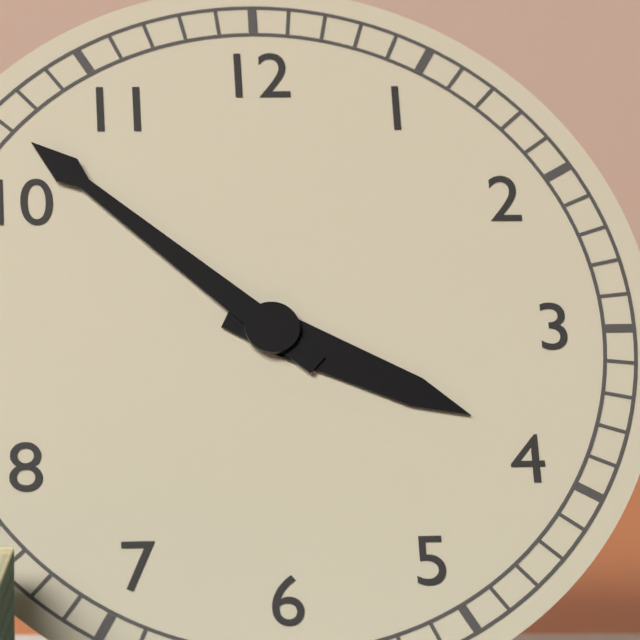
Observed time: **3:52**
